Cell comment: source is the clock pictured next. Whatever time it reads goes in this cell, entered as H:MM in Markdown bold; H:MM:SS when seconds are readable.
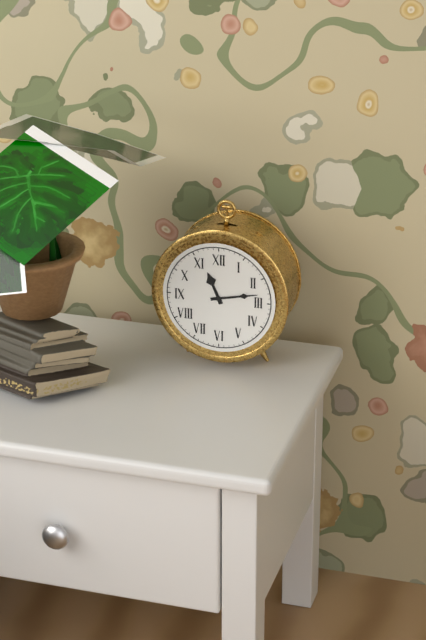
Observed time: **11:13**
